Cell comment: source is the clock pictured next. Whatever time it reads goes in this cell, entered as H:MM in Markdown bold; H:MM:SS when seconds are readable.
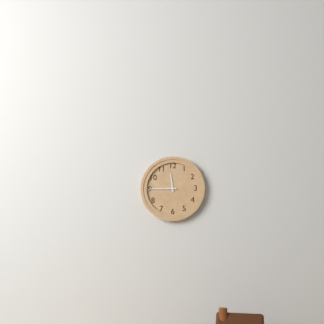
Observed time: **11:45**
